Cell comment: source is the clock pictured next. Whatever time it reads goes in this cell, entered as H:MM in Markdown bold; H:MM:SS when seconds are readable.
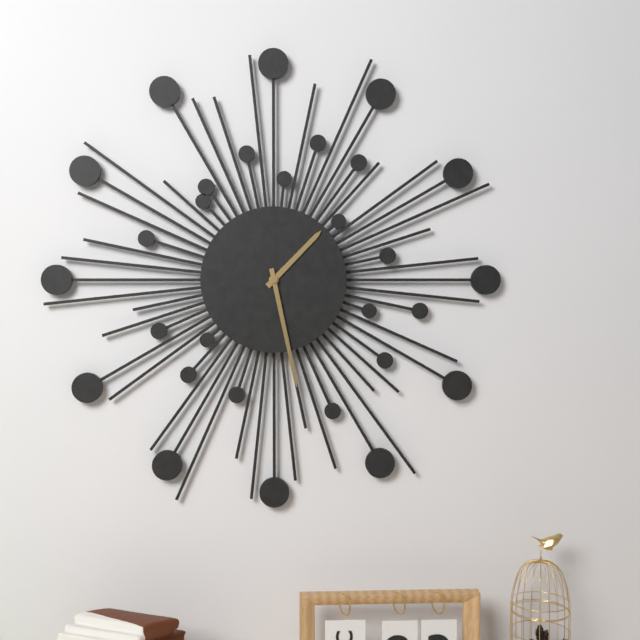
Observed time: **1:28**
